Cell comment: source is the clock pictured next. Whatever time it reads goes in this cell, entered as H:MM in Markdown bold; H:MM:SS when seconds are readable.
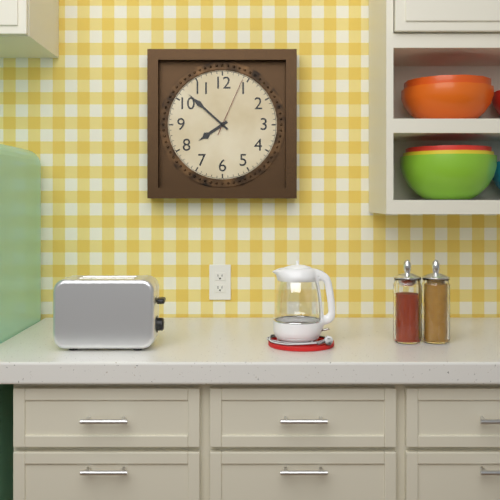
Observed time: **7:52:04**
